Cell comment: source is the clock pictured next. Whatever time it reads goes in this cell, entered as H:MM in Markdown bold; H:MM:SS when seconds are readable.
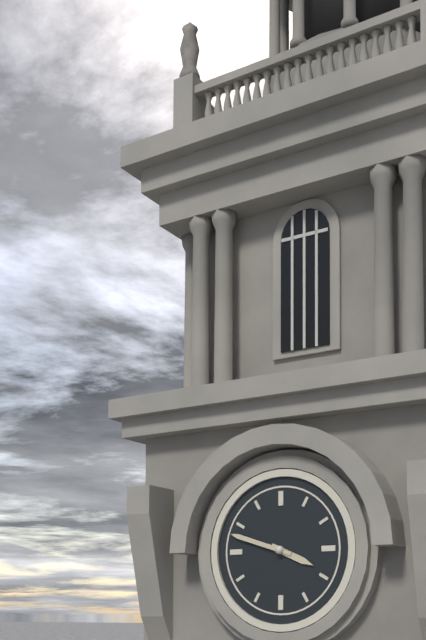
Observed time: **3:48**
